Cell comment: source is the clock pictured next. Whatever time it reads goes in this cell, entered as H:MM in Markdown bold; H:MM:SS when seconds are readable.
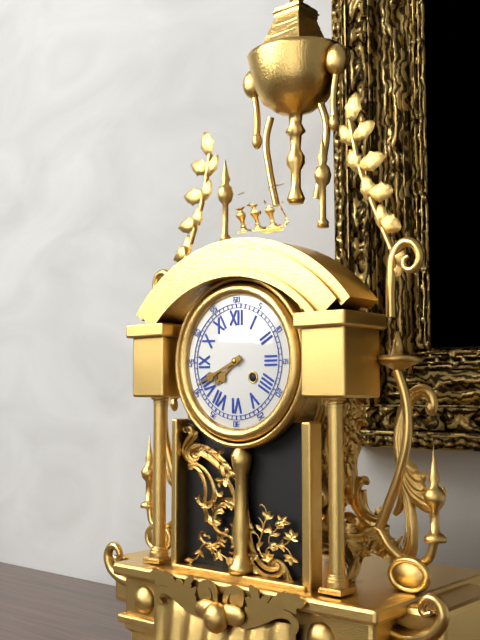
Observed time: **7:41**
